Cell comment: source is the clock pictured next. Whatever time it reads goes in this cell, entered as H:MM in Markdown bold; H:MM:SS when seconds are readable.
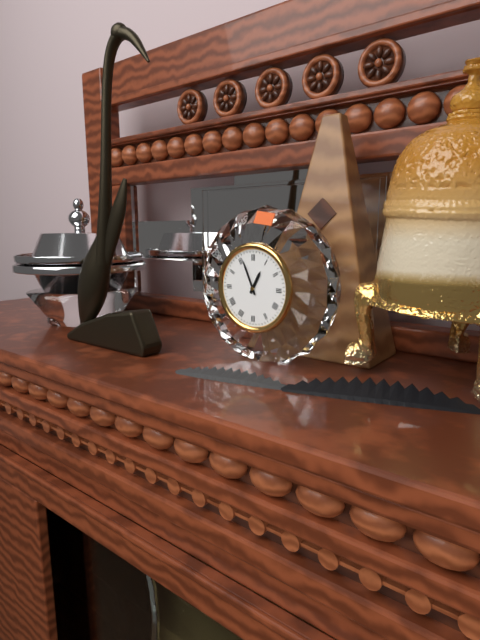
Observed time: **12:56**
